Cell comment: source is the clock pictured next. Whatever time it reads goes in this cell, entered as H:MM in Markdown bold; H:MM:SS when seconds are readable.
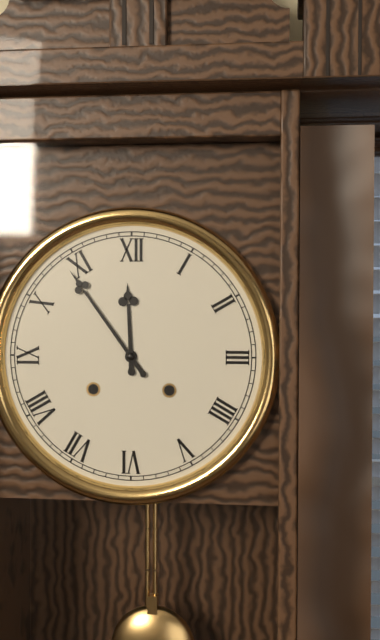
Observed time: **11:54**
